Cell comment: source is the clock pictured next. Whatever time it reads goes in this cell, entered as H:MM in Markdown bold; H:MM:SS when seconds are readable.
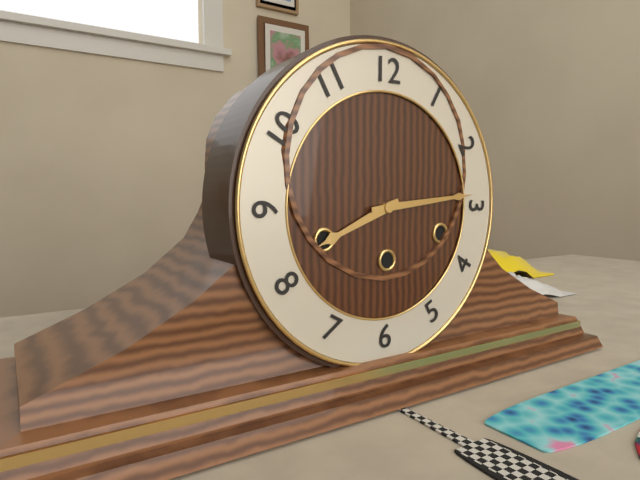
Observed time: **8:14**
